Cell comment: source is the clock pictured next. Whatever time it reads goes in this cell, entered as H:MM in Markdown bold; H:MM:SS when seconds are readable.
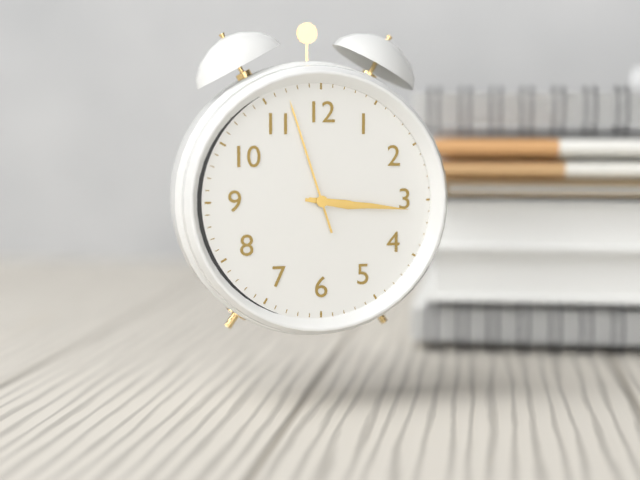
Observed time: **3:16:57**
